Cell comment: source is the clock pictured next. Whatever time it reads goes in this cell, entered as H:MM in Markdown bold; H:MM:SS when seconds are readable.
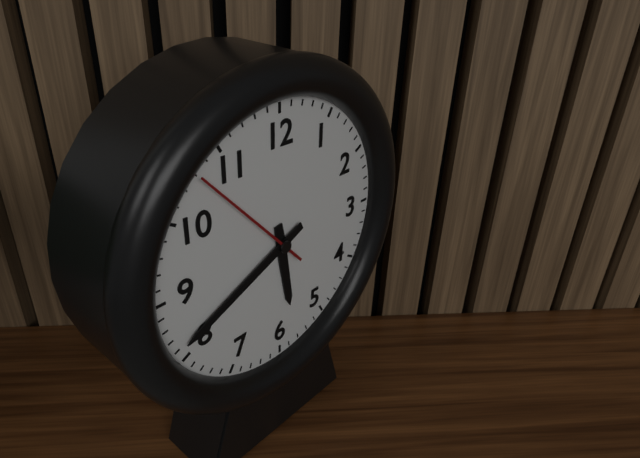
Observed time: **5:41:53**
